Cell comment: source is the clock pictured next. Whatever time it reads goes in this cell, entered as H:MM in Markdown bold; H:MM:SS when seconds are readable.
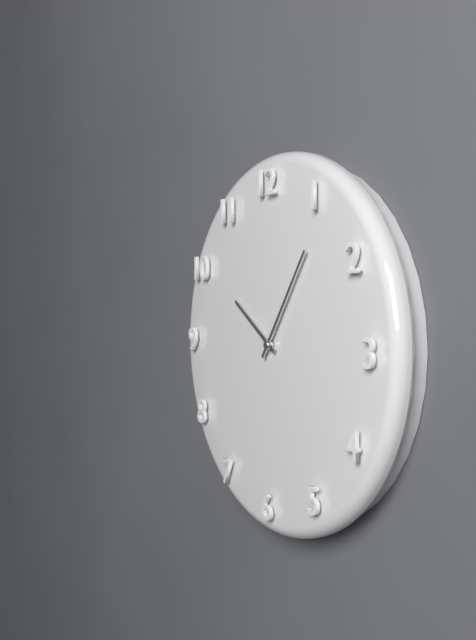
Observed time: **10:06**
